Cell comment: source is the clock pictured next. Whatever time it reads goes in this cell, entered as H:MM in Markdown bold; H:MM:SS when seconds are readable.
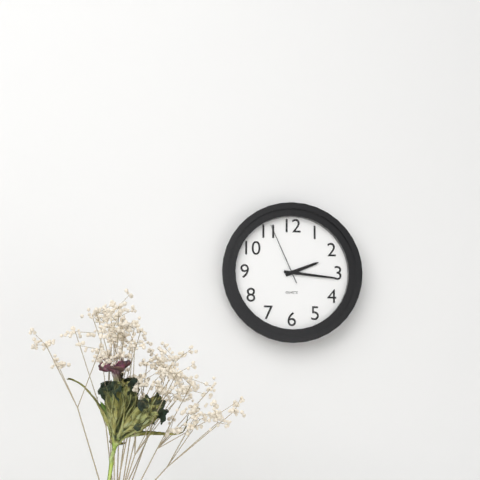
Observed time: **2:16:56**
